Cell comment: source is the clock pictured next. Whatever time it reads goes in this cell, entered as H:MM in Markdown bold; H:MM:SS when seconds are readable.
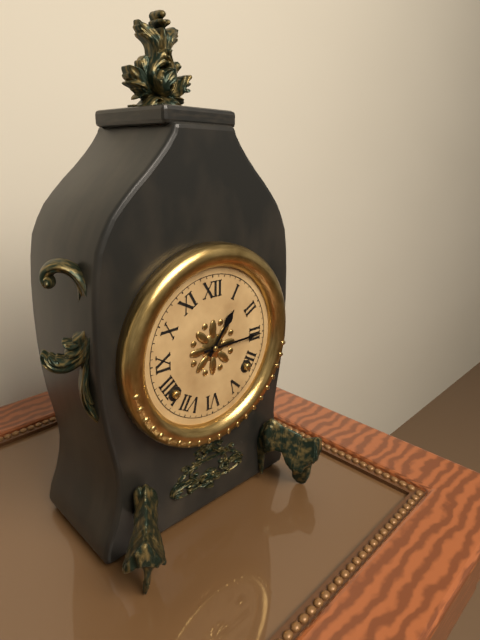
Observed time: **1:15**
